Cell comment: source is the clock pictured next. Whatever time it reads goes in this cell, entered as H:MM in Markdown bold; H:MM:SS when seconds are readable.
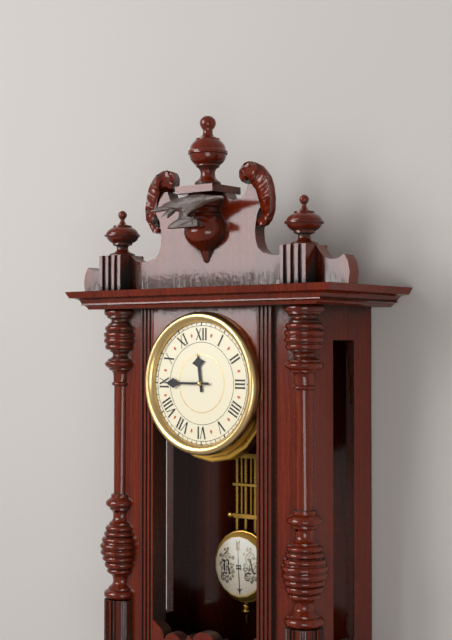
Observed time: **11:45**
